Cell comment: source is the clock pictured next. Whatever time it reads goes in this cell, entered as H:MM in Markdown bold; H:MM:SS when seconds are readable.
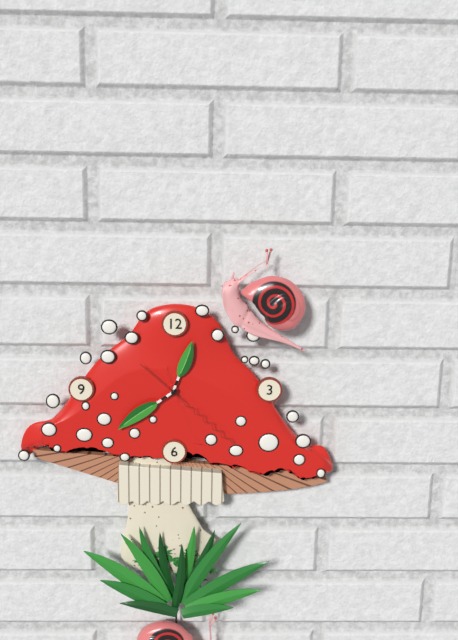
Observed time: **12:39:22**
